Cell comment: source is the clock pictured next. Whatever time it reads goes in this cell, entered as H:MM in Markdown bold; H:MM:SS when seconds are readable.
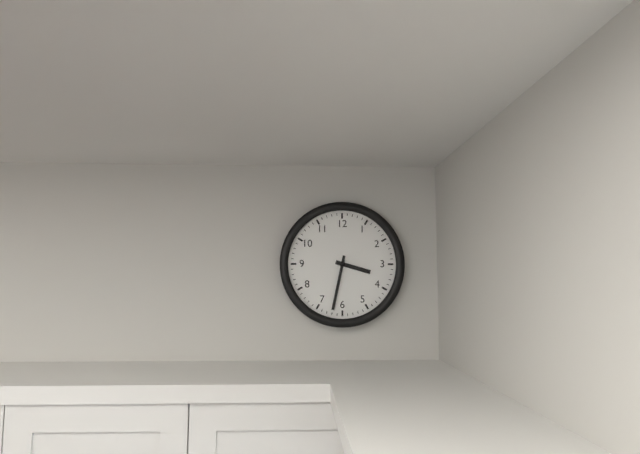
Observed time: **3:32**
